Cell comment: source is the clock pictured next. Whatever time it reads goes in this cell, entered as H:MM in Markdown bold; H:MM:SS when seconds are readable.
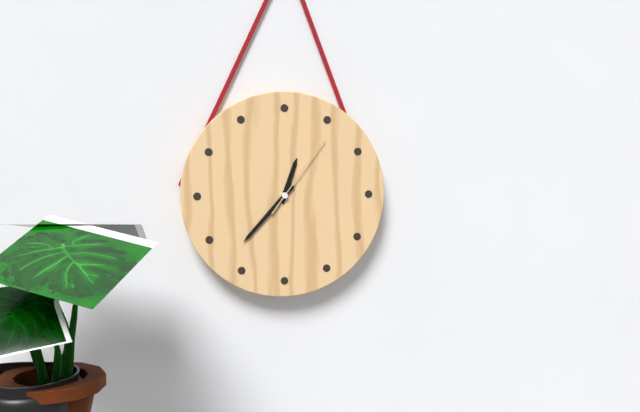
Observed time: **12:37:06**
